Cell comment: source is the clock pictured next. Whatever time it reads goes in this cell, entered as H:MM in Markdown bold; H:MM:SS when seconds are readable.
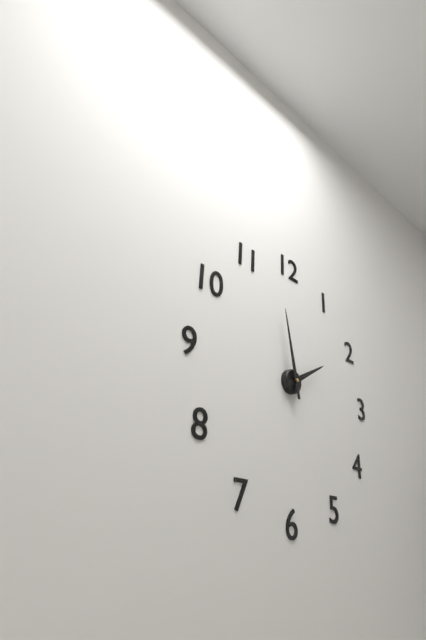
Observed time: **1:58**
